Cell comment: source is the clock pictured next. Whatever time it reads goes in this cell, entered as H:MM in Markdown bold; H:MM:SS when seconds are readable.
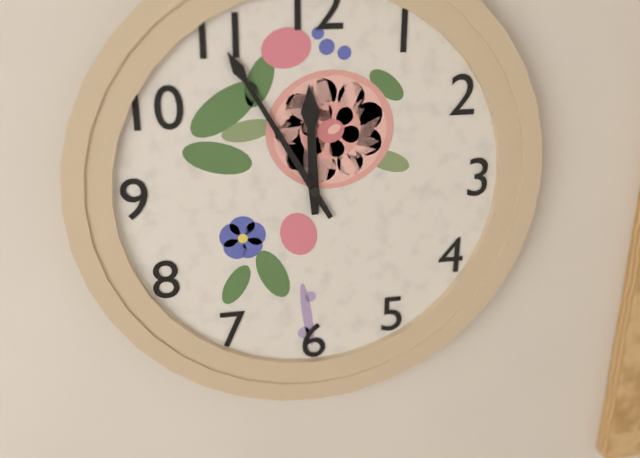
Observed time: **11:55**
